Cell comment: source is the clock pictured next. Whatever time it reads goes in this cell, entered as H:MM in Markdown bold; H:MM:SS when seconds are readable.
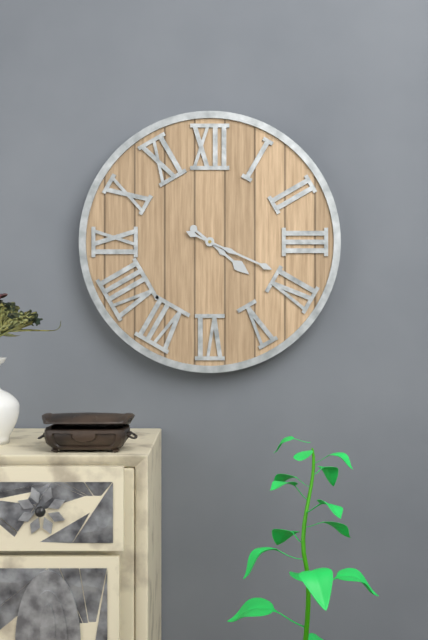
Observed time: **4:19**
